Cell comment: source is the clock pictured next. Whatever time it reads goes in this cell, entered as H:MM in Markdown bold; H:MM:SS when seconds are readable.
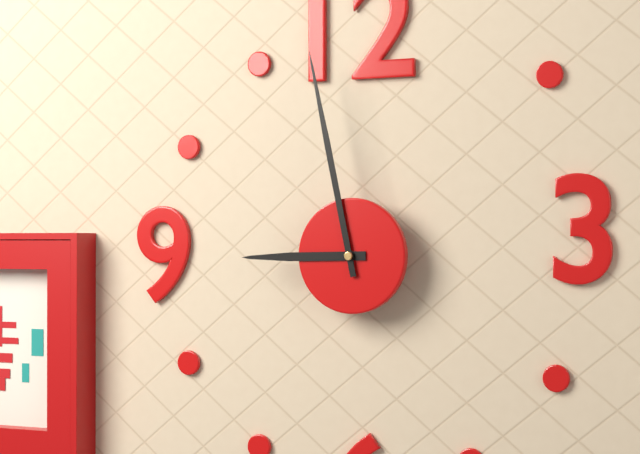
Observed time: **8:58**
